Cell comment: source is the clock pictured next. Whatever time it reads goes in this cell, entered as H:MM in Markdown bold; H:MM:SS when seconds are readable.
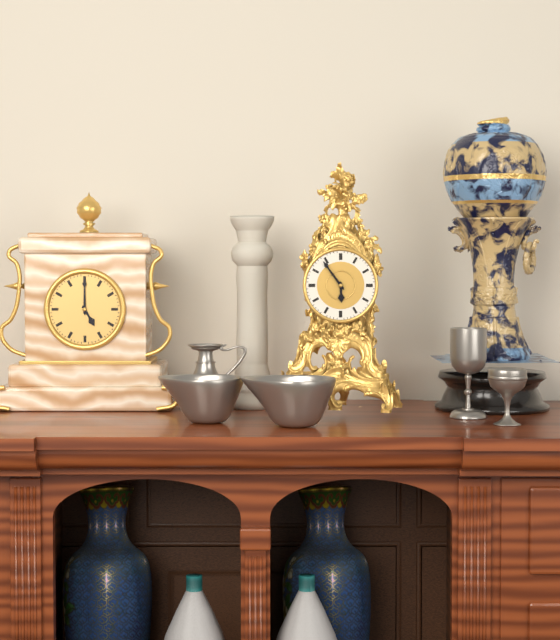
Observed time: **5:54**
